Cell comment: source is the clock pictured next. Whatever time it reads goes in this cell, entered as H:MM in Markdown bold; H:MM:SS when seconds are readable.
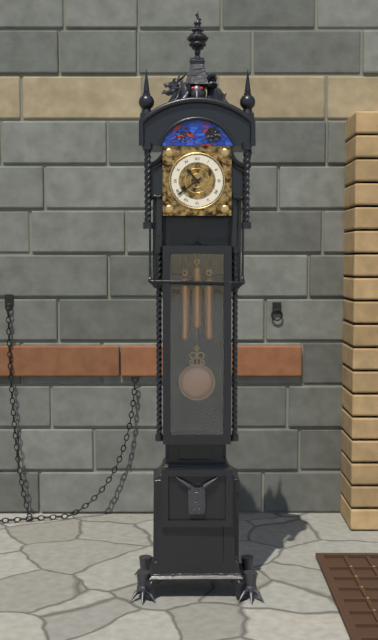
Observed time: **10:39**
